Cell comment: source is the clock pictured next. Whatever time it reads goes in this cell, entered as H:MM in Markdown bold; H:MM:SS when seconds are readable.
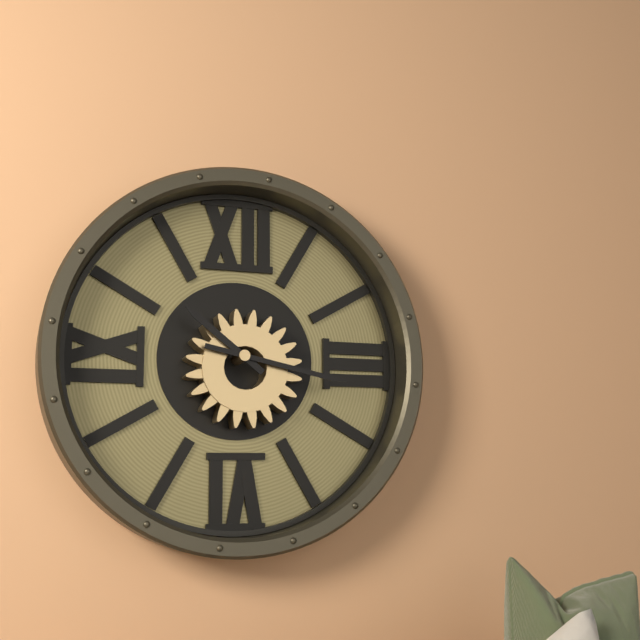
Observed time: **10:17**
